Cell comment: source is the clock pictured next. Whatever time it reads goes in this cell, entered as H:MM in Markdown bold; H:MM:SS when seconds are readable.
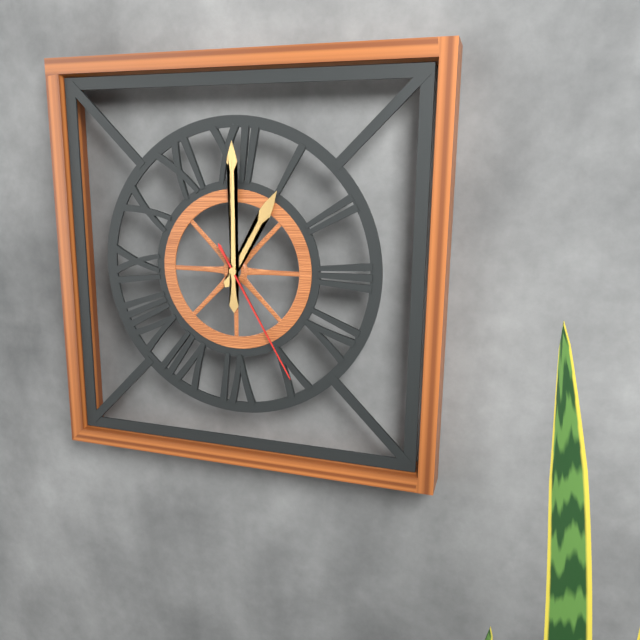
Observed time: **1:00:25**
